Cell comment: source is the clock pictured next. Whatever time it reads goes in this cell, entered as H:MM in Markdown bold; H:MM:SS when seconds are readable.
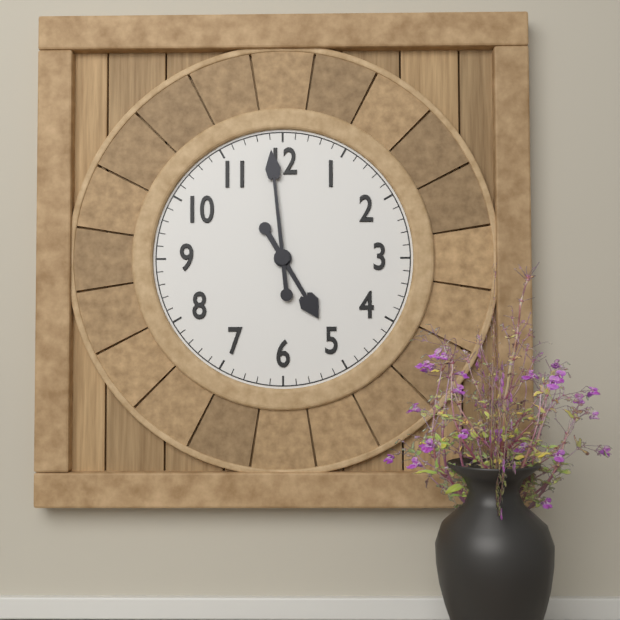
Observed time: **4:59**
